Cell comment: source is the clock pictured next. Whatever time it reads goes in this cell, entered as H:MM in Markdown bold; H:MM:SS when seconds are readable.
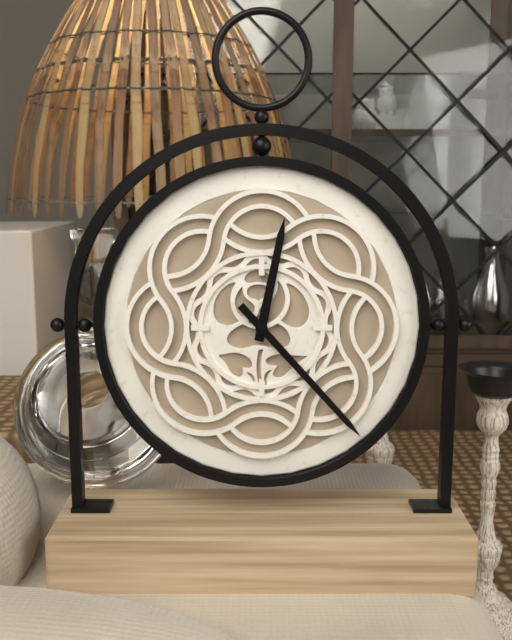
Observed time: **12:23**
